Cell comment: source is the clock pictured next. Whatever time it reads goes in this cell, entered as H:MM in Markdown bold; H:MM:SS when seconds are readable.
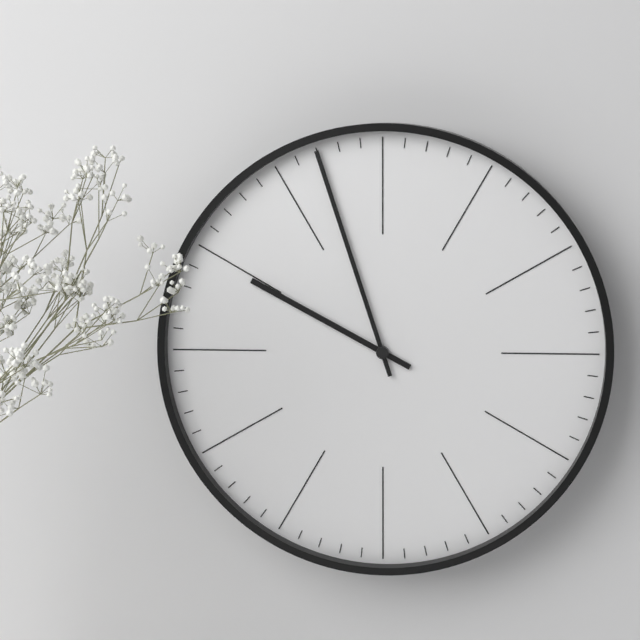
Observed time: **9:57**
